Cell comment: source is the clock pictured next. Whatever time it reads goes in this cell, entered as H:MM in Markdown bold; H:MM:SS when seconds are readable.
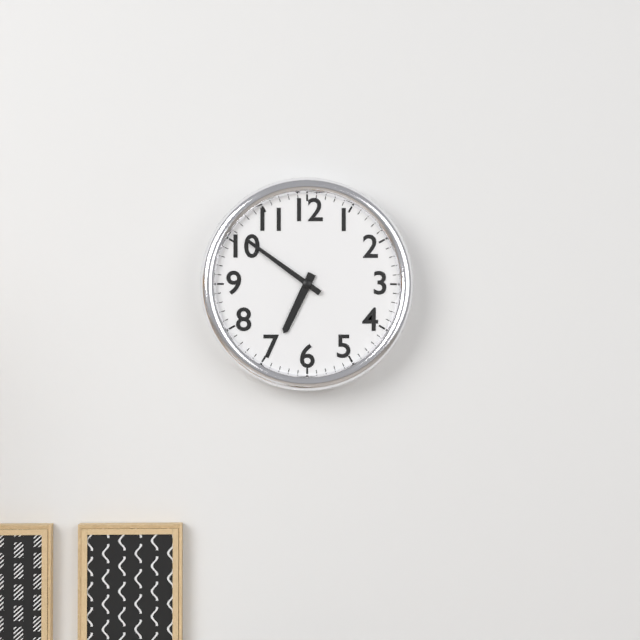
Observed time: **6:51**
